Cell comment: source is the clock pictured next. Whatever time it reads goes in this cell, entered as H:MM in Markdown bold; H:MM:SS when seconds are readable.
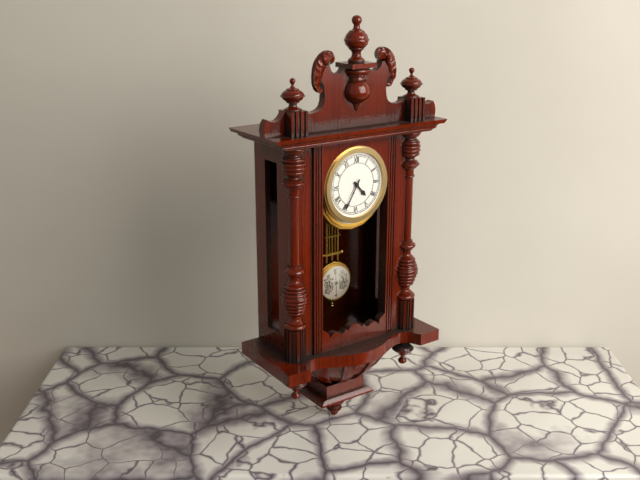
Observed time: **4:35**
